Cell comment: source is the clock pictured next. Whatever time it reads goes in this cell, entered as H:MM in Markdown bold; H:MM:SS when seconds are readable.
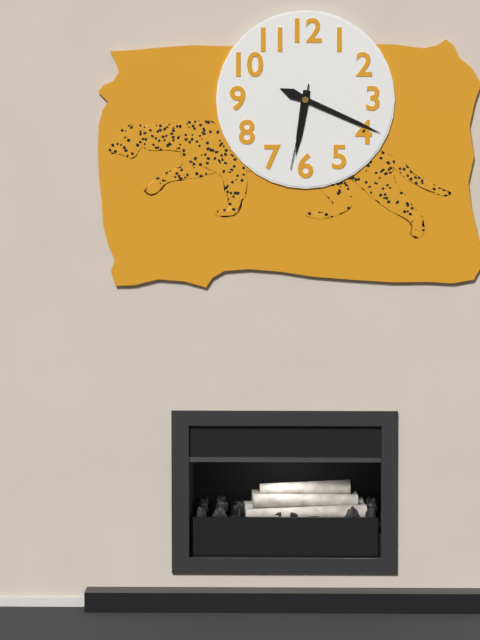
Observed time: **6:19:32**
